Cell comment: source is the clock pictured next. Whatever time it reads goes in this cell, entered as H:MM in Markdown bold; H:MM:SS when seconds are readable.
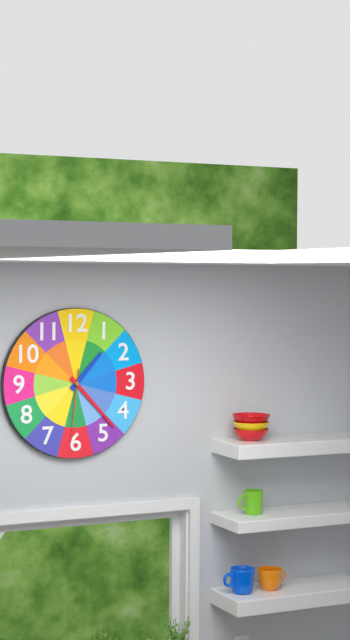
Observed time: **1:23:31**
